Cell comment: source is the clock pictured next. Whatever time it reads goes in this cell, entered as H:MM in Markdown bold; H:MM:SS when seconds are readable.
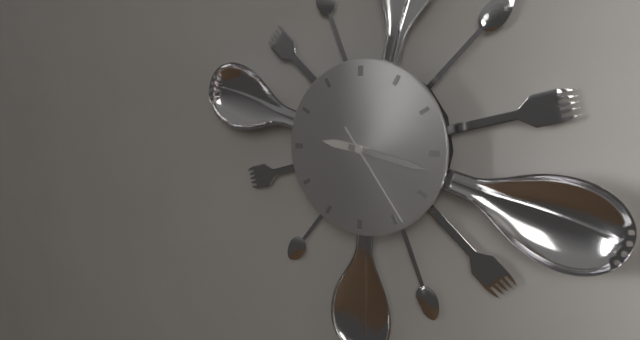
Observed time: **9:17:24**
